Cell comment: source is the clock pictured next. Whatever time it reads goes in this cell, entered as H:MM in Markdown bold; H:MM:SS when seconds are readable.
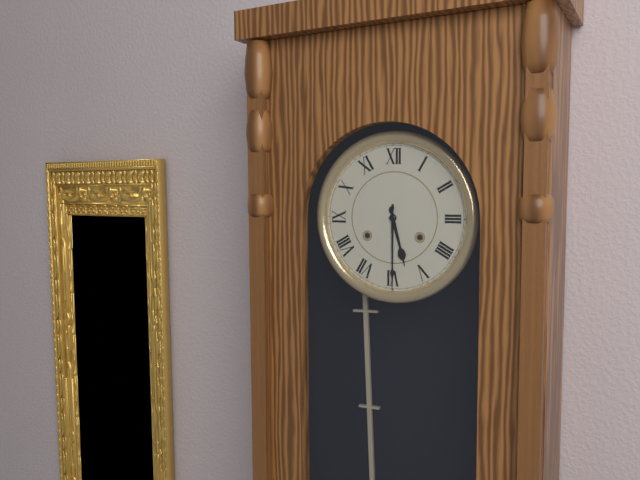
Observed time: **5:30**
